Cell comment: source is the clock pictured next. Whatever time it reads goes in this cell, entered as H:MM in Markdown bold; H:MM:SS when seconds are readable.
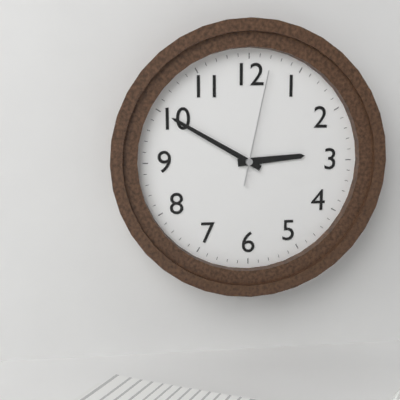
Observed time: **2:50:02**
